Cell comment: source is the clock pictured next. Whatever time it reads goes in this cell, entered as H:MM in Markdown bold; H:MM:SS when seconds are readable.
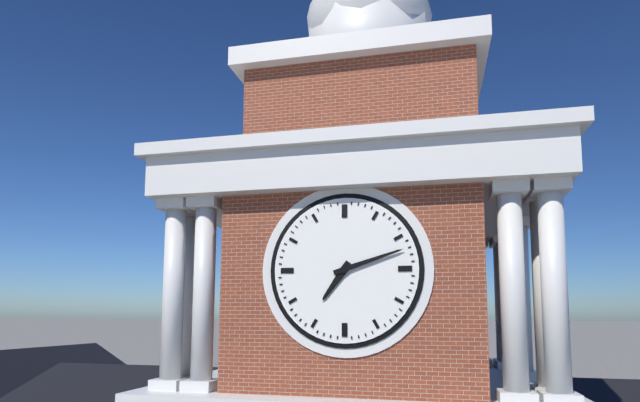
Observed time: **7:12**
